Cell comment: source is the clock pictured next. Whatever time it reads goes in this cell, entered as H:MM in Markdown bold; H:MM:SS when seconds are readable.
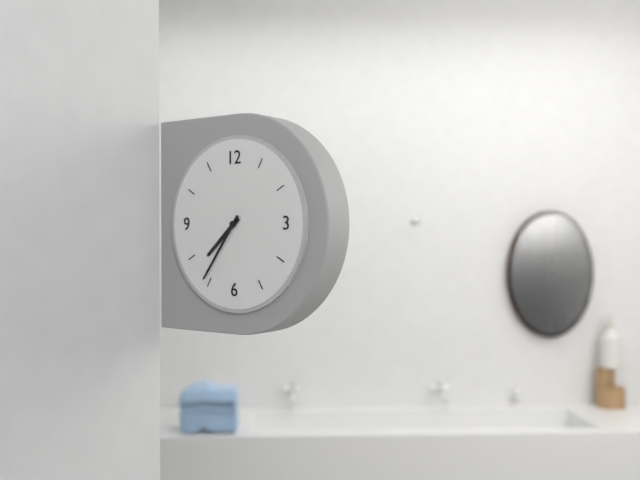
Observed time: **7:36**
